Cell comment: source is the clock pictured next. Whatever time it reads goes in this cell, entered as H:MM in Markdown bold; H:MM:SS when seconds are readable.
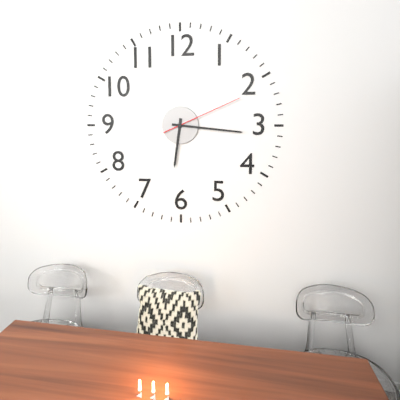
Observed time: **6:16:11**
